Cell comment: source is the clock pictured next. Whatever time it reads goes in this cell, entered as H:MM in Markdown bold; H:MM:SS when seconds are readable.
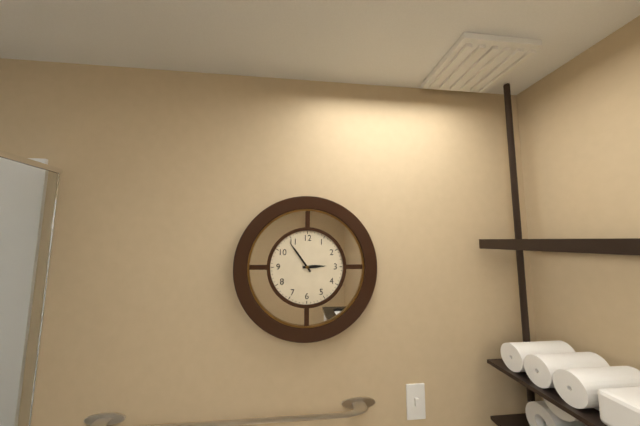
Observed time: **2:54**
